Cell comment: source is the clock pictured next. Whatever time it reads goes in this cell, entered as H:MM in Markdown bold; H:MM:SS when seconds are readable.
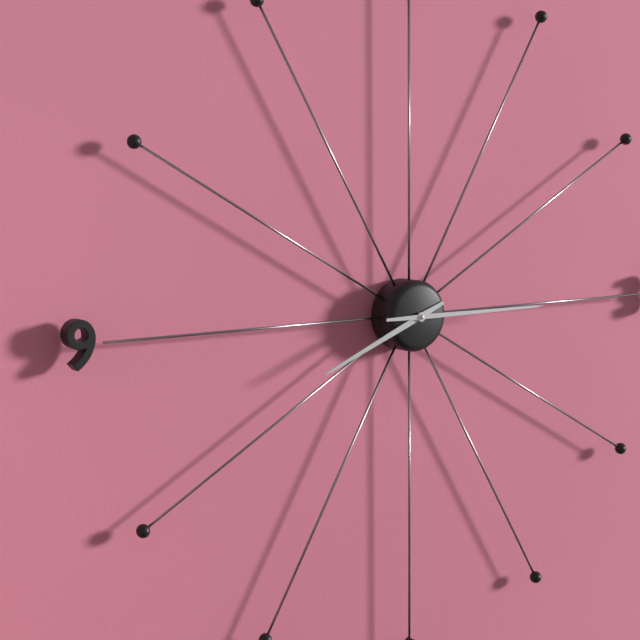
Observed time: **8:15**
